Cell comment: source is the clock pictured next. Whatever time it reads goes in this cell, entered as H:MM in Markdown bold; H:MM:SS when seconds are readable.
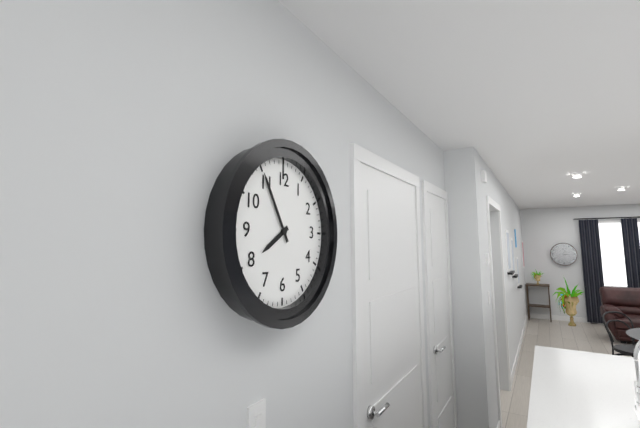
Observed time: **7:55**
